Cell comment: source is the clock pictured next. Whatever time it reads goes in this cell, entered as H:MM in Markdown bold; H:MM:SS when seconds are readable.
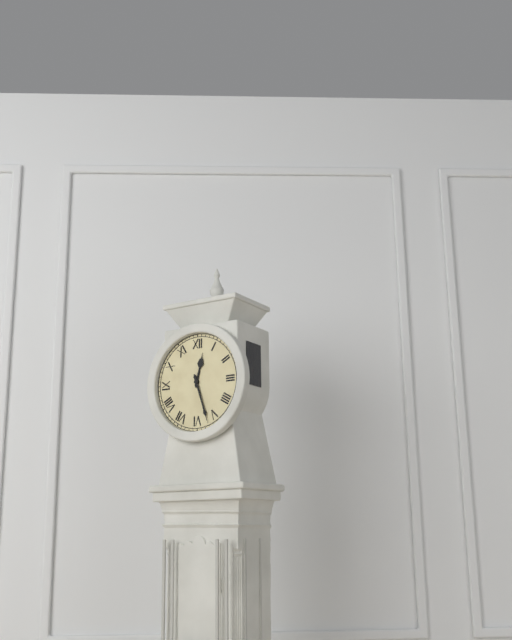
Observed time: **12:27**
